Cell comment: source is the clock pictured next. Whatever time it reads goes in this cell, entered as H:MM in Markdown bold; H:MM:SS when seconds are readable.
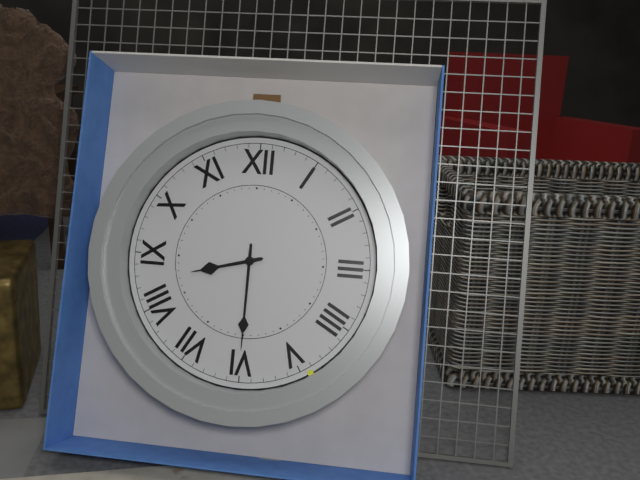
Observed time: **8:30**
